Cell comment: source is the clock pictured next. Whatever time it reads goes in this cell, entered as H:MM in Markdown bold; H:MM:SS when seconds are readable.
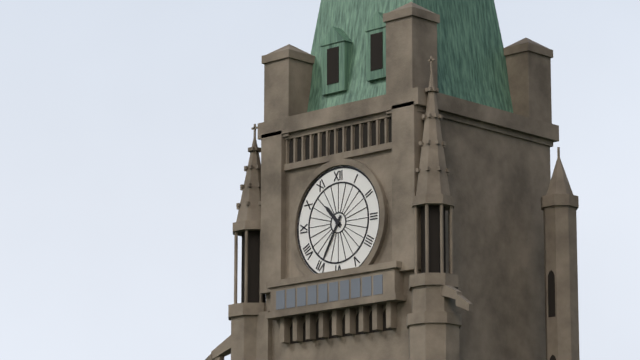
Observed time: **10:35**
